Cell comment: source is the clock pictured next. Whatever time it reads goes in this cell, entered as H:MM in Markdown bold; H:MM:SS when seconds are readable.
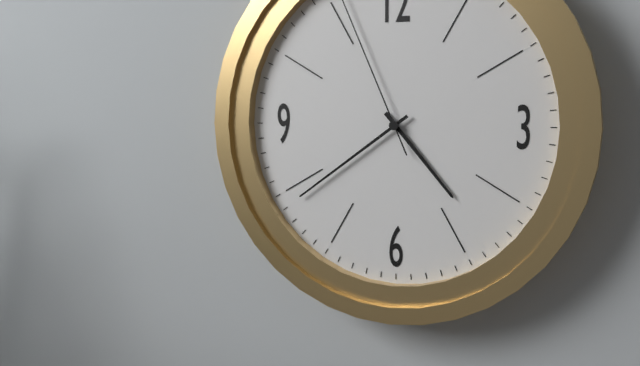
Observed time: **4:39**
